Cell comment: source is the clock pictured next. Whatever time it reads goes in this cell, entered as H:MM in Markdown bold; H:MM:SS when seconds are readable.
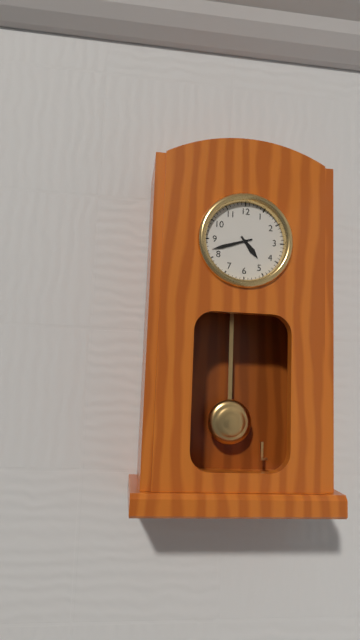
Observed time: **4:42**
